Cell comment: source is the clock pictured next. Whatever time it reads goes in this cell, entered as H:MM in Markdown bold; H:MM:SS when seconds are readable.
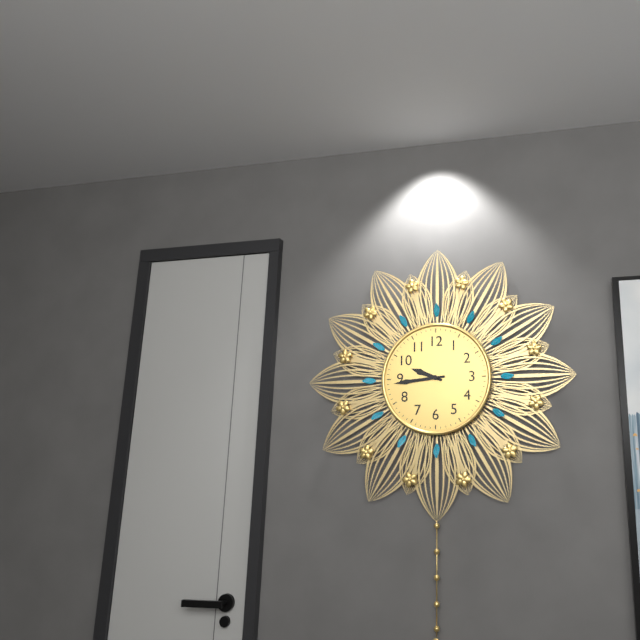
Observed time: **9:44**
